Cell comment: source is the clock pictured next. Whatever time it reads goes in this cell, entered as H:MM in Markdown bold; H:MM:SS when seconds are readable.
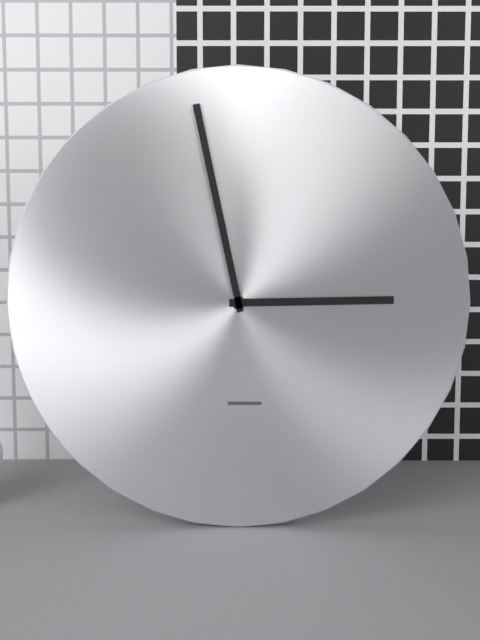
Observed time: **2:58**
